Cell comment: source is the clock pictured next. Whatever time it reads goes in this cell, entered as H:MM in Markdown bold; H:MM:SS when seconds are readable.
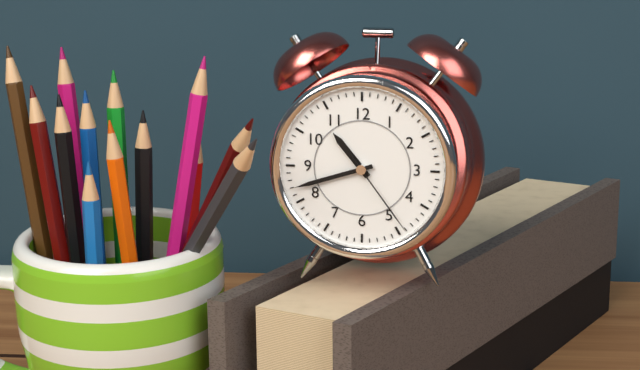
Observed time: **10:42:24**
